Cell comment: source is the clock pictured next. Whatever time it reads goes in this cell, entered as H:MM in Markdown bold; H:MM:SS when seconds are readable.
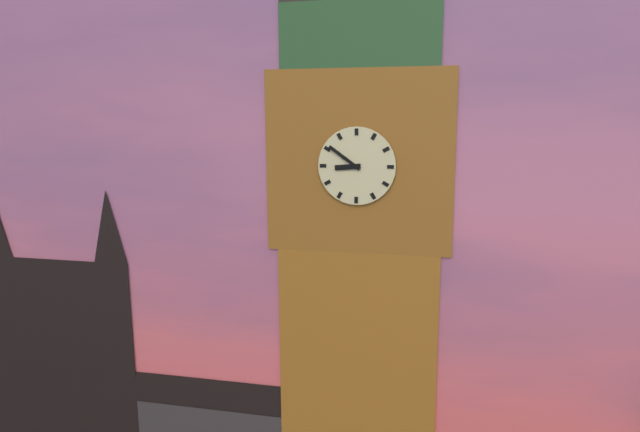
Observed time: **8:51**
